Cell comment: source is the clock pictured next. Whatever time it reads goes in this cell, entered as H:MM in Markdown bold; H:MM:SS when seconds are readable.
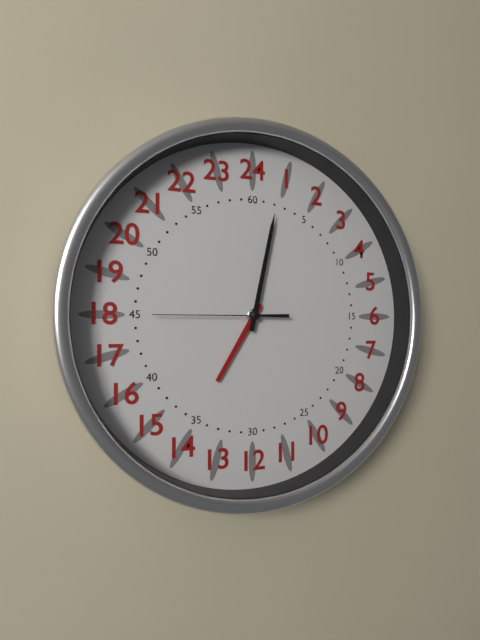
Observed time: **7:02:45**
